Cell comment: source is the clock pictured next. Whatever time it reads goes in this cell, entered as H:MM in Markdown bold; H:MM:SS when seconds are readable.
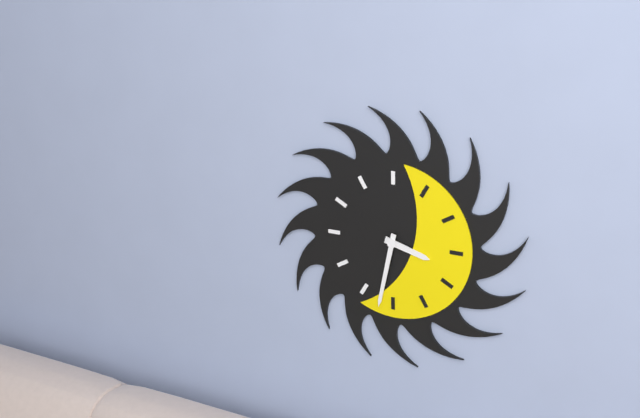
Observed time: **3:32**
